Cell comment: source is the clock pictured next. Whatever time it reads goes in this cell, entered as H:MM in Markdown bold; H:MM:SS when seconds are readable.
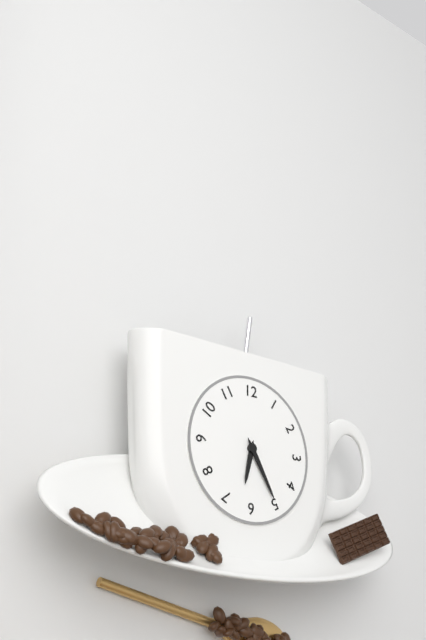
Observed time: **6:25**
